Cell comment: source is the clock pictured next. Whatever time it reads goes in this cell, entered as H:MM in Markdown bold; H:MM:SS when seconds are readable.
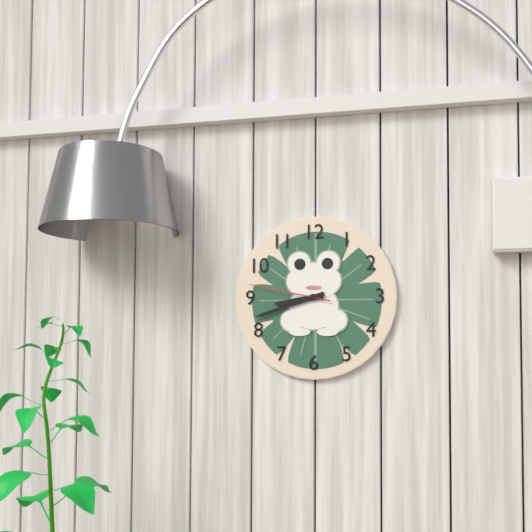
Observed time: **8:42:47**
